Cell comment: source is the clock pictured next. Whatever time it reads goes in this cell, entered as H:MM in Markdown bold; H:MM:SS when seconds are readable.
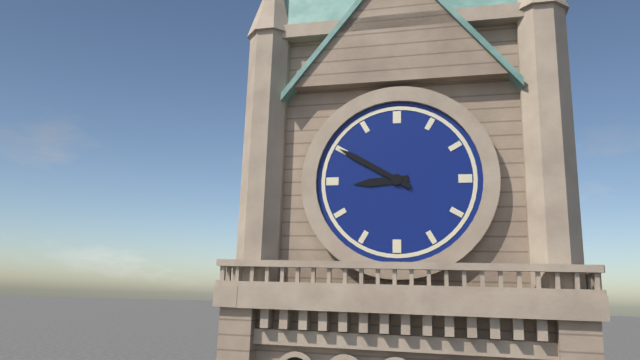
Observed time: **8:50**
